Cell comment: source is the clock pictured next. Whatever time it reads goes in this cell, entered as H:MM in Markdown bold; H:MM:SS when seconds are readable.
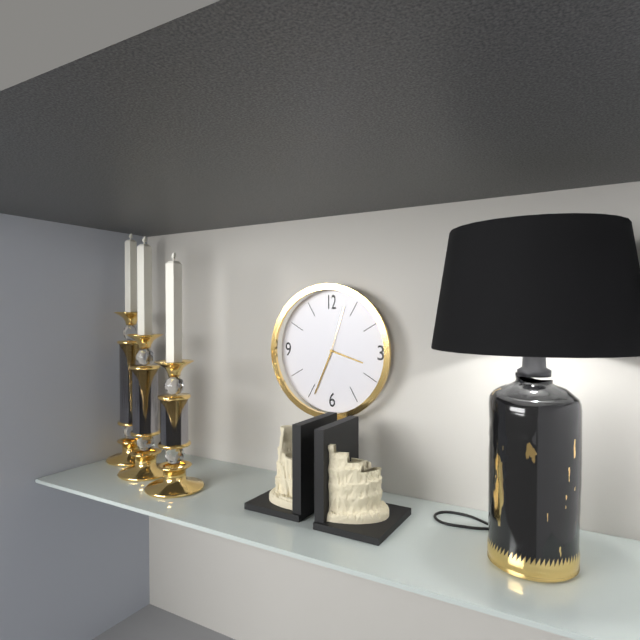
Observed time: **3:34:03**
